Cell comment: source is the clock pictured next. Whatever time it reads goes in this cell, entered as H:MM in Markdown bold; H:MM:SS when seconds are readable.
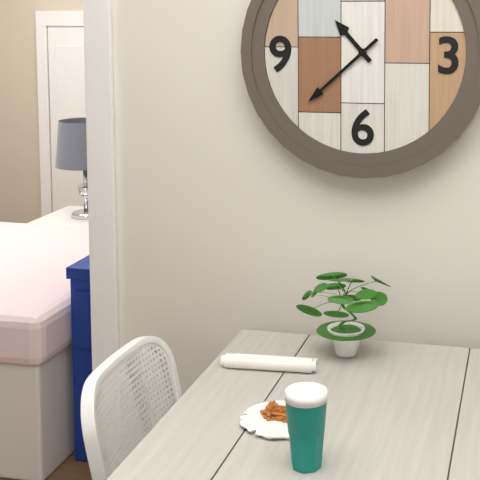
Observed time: **10:38**
